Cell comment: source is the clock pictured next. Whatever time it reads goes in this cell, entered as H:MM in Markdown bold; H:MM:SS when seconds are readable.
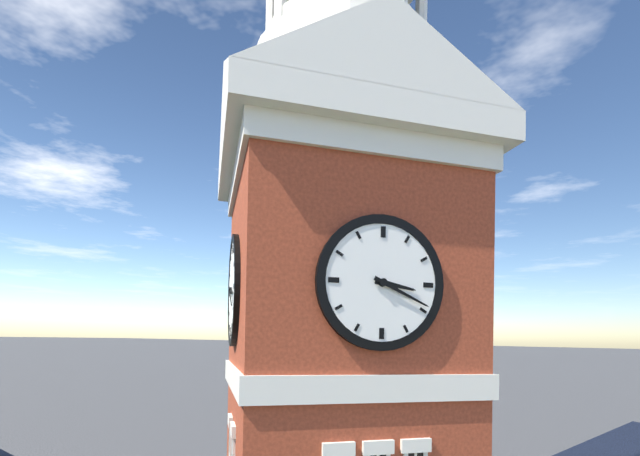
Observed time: **3:19**
